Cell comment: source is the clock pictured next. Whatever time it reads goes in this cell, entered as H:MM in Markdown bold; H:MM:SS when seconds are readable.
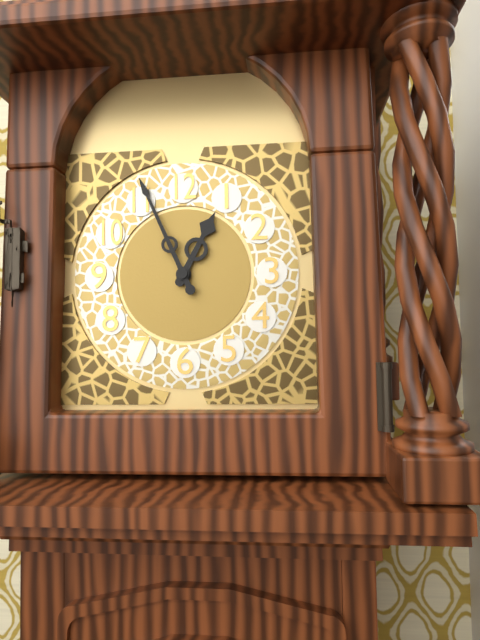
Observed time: **12:56**
